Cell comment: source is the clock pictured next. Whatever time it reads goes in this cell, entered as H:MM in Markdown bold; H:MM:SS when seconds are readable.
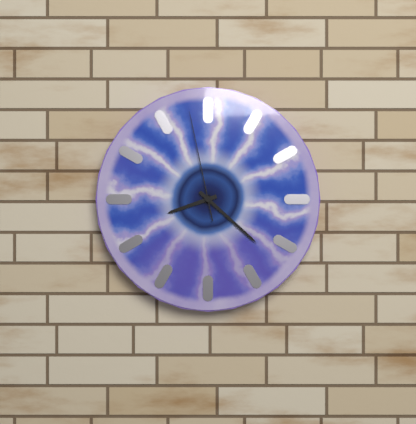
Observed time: **8:22:58**
